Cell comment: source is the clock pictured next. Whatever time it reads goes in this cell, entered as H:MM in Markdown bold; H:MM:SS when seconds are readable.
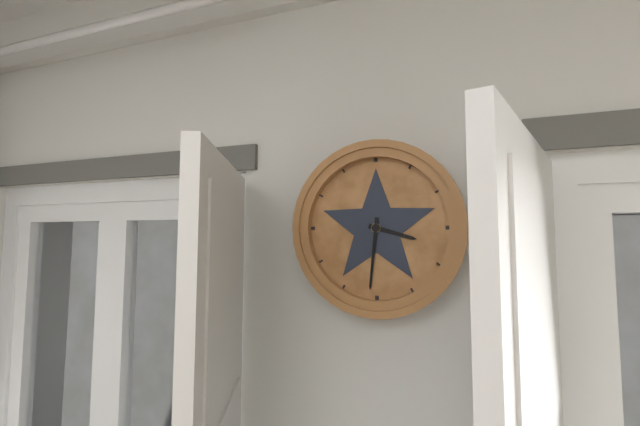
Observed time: **3:31**
